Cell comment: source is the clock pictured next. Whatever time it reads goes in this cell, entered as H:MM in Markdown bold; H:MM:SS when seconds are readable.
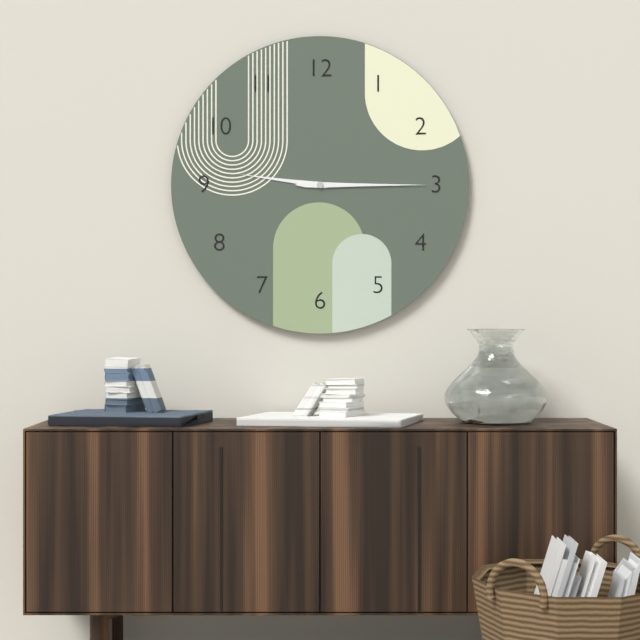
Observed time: **9:15**
